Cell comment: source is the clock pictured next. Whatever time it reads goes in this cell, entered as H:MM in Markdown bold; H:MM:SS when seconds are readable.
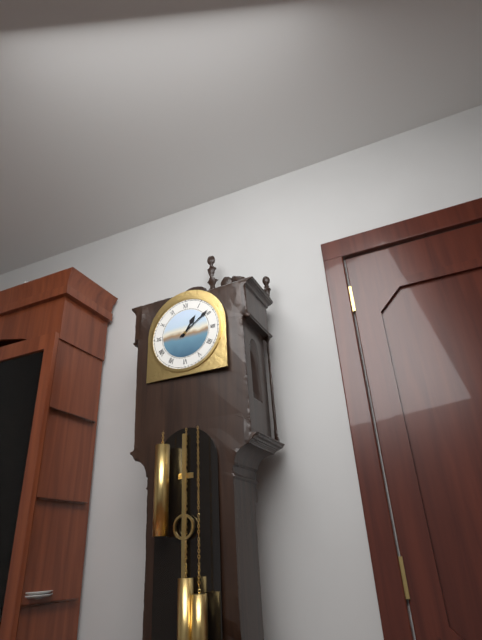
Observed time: **1:09**
